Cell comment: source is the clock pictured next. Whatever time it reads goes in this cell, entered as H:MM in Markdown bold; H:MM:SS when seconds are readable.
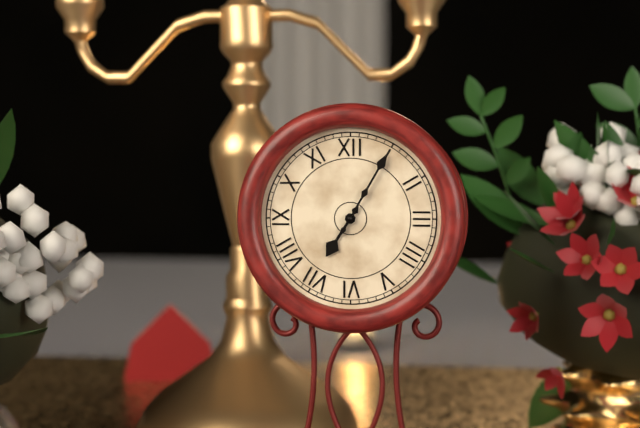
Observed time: **7:05**
